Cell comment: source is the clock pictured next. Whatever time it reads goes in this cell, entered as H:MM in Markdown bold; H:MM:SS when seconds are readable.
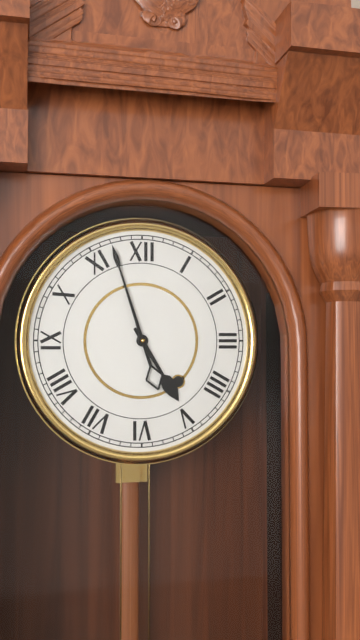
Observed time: **4:57**
